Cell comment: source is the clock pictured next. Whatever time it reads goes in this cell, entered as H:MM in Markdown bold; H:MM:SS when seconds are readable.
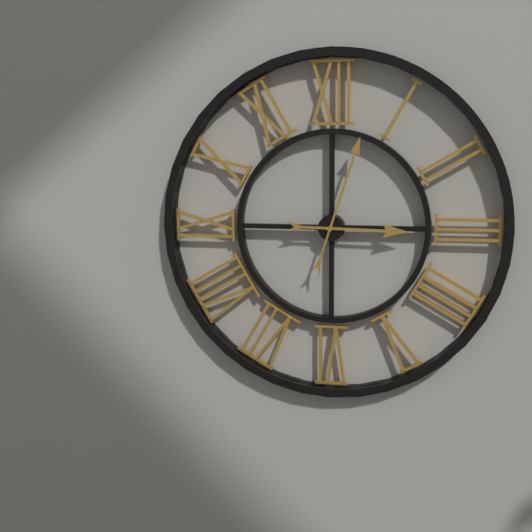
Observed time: **3:03**
